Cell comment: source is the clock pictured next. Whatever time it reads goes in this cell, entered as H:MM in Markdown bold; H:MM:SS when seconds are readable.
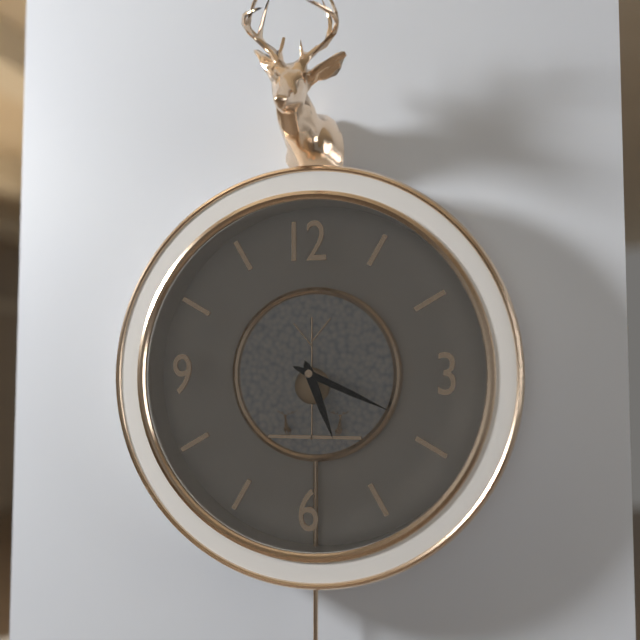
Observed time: **5:19**
